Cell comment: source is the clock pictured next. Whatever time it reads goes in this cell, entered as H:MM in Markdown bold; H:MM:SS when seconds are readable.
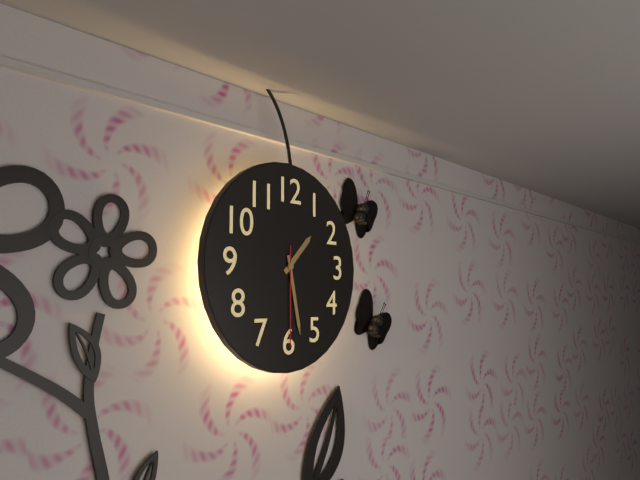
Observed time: **1:28:30**
